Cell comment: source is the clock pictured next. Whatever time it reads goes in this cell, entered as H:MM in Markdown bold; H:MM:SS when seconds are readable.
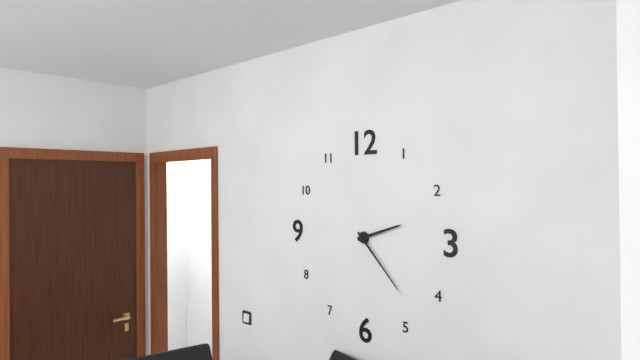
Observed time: **2:23**
